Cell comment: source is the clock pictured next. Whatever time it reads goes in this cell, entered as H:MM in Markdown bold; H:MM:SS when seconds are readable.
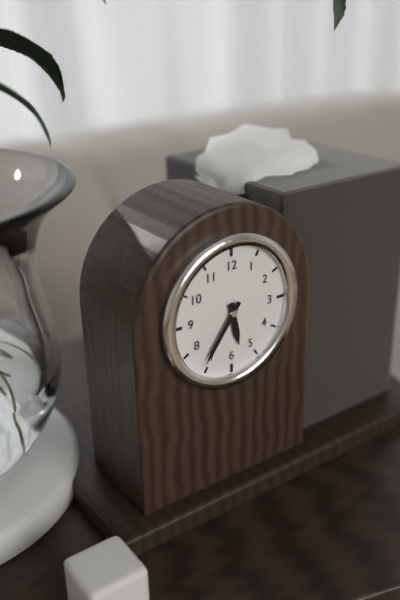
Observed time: **5:36**
